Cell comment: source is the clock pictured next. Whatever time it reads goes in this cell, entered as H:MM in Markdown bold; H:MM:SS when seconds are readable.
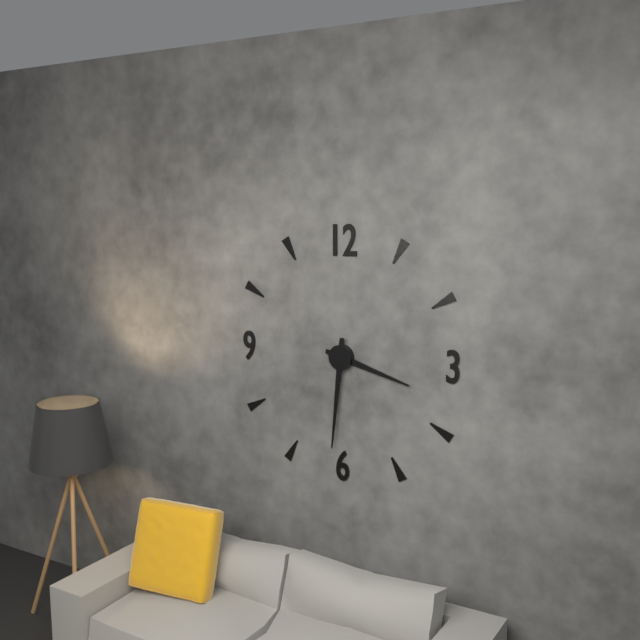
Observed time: **3:31**
